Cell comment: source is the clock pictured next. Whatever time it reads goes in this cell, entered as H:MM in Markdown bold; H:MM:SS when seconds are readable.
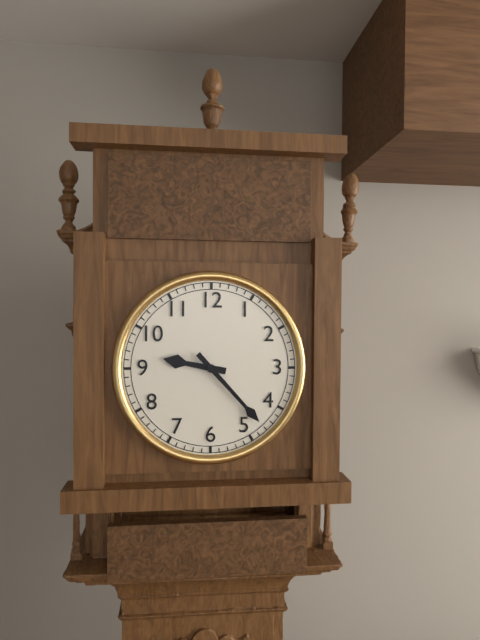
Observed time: **9:23**
